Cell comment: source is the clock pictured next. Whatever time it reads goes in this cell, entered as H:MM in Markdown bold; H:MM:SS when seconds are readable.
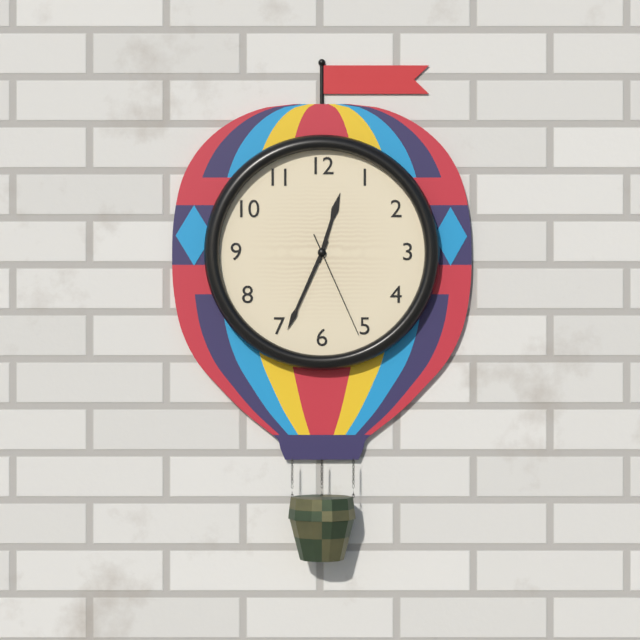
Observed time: **12:34:26**
